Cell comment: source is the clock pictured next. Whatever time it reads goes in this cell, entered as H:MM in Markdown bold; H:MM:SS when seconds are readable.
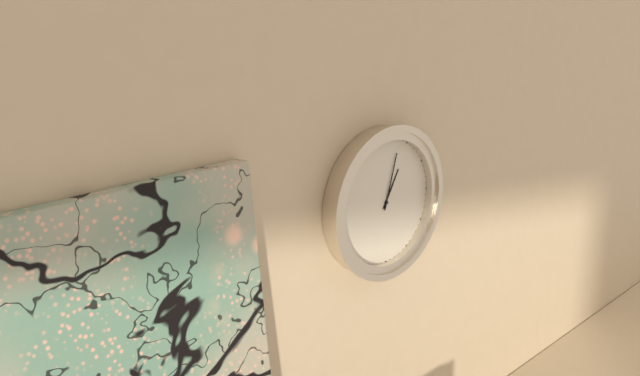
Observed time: **1:03**
